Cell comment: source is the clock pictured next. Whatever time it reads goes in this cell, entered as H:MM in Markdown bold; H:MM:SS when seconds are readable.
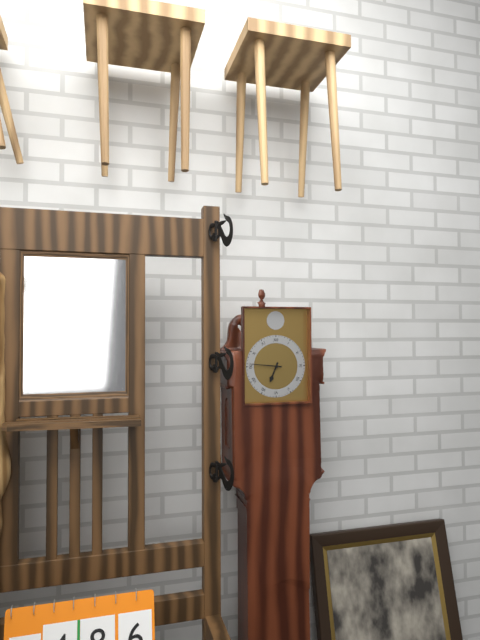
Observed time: **6:46**
